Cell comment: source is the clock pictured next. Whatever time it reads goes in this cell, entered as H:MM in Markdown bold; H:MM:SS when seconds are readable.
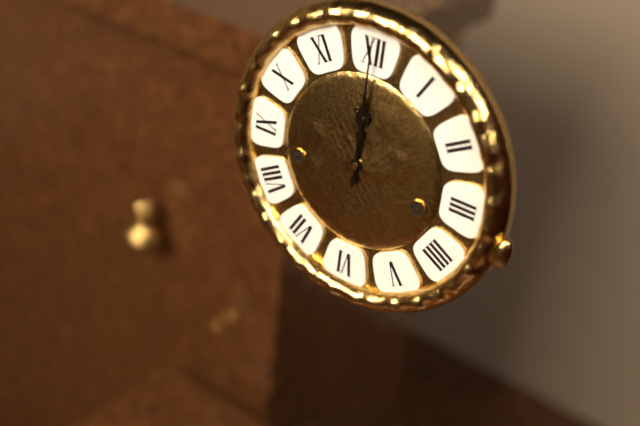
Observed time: **12:00**
